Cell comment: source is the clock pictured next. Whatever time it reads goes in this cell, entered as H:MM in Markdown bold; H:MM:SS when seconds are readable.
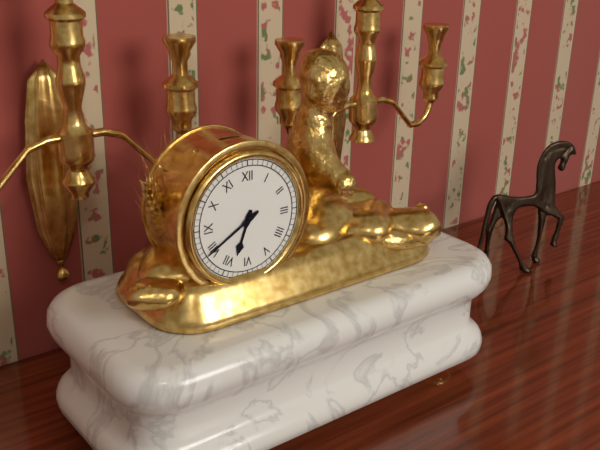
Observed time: **6:40**
